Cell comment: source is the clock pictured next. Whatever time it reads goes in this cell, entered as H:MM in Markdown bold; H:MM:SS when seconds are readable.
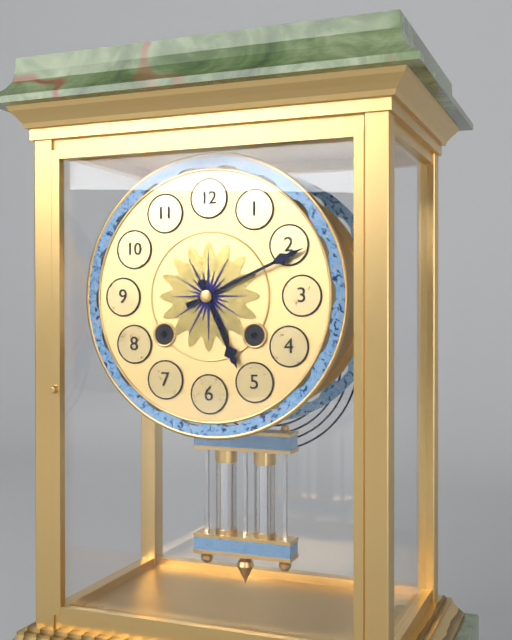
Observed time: **5:11**
